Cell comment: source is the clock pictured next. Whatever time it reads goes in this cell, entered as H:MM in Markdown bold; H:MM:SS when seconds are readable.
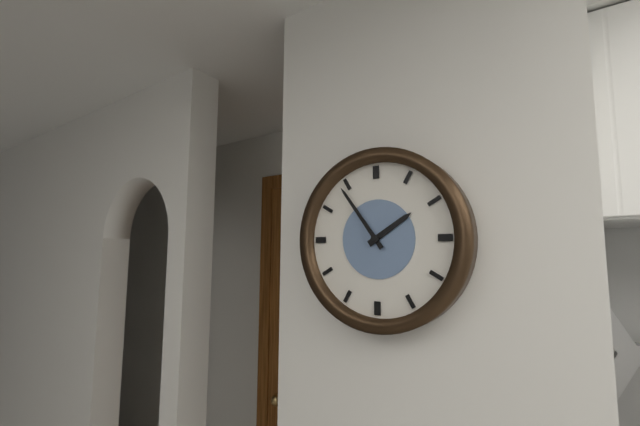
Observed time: **1:54**
